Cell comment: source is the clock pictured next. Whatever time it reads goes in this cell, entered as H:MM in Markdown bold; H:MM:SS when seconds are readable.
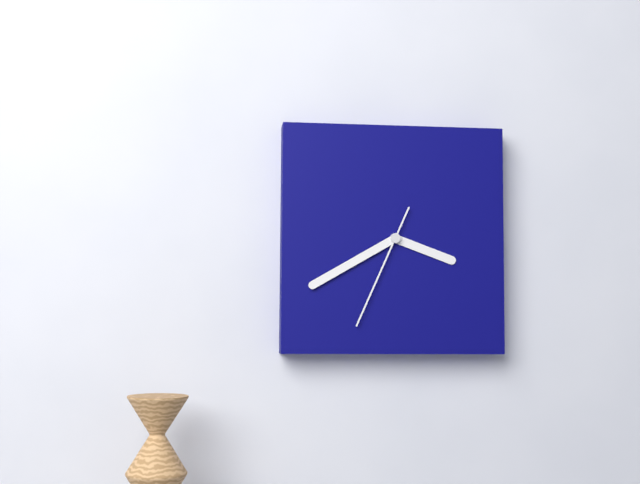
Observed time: **3:40:34**
